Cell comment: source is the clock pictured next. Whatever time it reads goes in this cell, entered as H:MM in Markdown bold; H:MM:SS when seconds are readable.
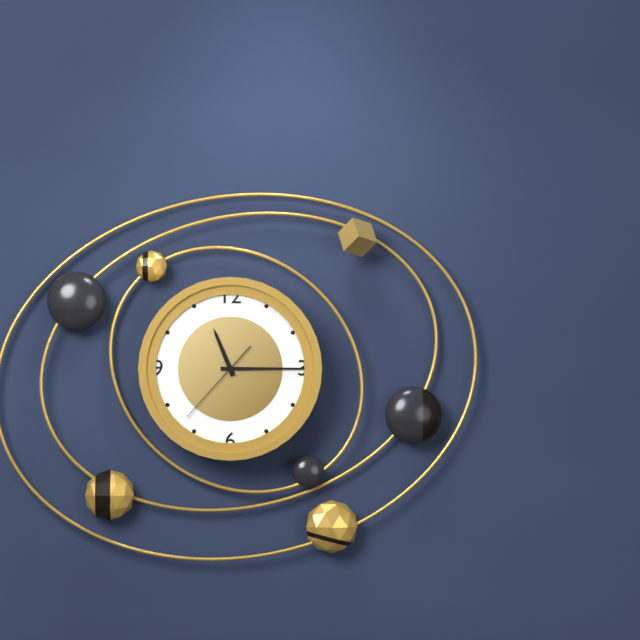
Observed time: **11:15:37**
